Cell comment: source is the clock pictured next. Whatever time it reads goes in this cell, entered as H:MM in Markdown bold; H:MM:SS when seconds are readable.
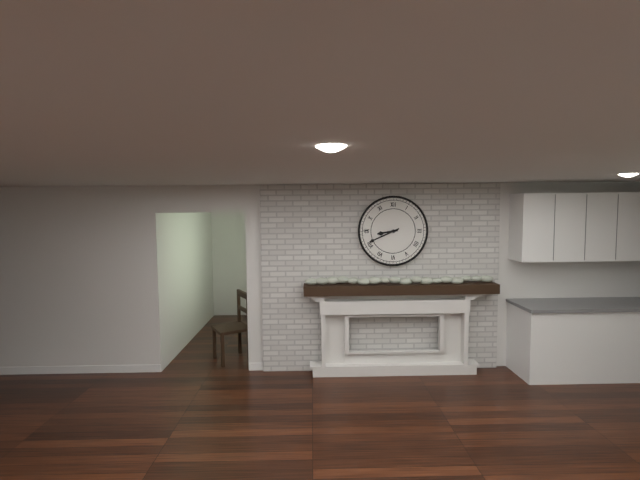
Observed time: **8:41**
